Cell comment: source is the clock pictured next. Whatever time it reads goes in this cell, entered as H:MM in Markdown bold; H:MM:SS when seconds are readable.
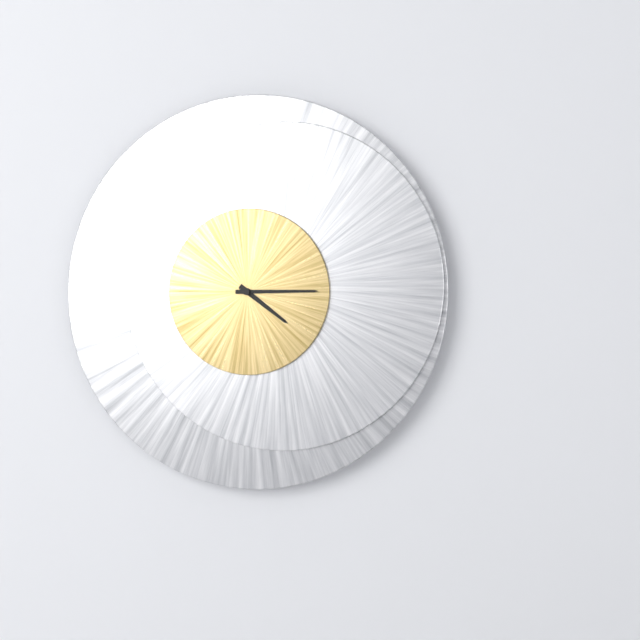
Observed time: **4:15**
